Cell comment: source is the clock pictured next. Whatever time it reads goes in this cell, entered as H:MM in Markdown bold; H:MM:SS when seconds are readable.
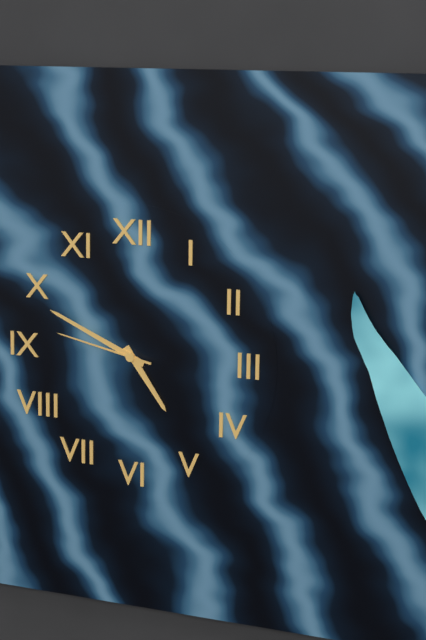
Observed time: **4:49:47**
